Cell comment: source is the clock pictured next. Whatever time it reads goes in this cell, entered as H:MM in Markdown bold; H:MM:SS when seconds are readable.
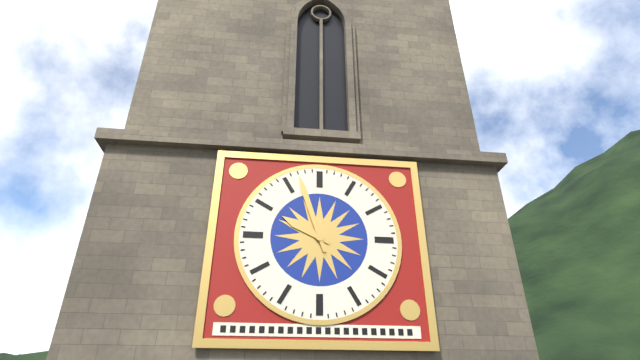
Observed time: **9:57**
